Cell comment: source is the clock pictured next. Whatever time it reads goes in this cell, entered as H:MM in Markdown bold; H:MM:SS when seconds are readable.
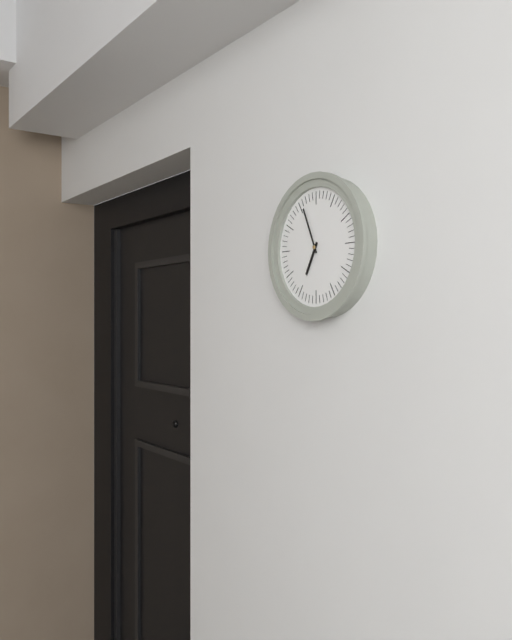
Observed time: **6:56**
